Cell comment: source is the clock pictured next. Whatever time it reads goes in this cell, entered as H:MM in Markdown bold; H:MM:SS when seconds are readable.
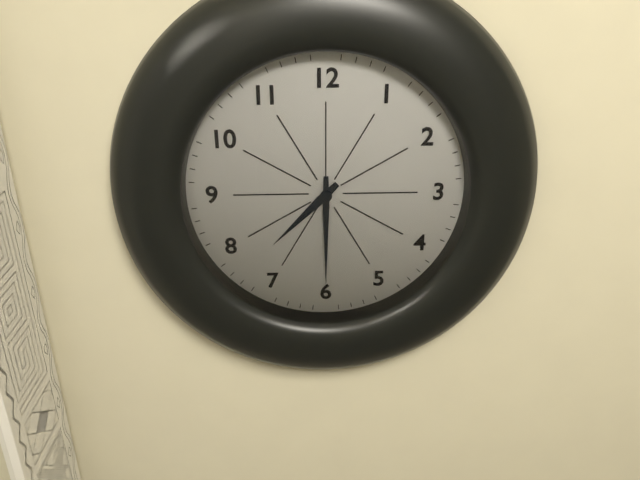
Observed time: **7:30**
